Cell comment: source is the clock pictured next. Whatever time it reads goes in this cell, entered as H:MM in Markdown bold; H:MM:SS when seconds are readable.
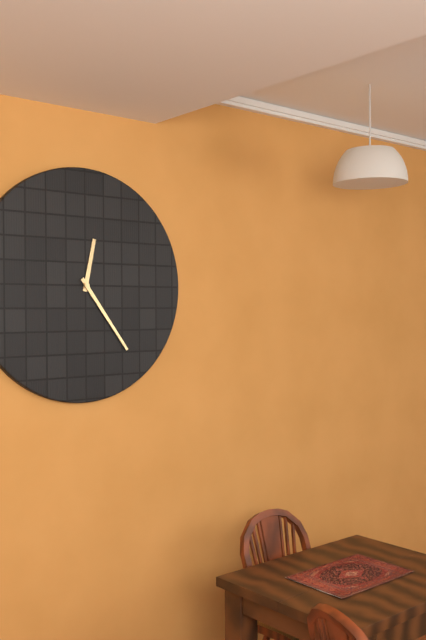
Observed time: **12:24**
